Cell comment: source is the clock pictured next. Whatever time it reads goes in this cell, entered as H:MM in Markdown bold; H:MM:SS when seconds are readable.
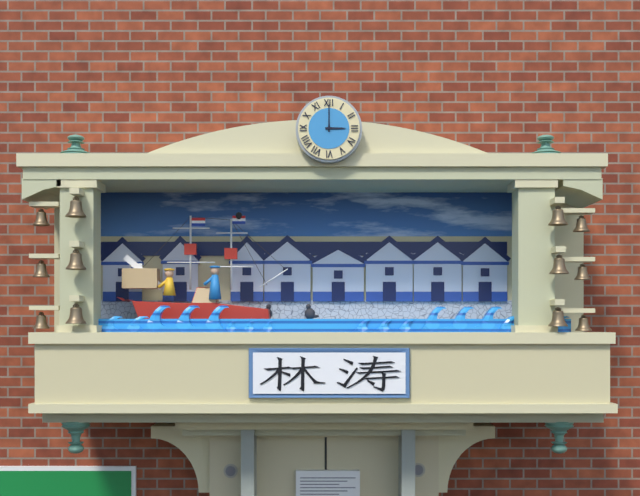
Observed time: **3:00**
